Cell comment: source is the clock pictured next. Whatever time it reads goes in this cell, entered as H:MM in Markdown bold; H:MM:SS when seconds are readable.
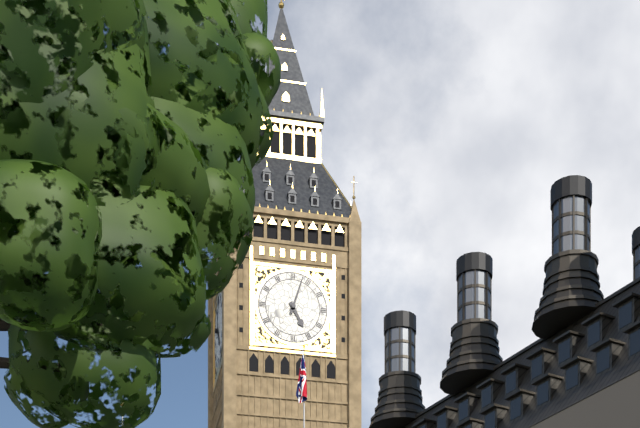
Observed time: **5:03**
